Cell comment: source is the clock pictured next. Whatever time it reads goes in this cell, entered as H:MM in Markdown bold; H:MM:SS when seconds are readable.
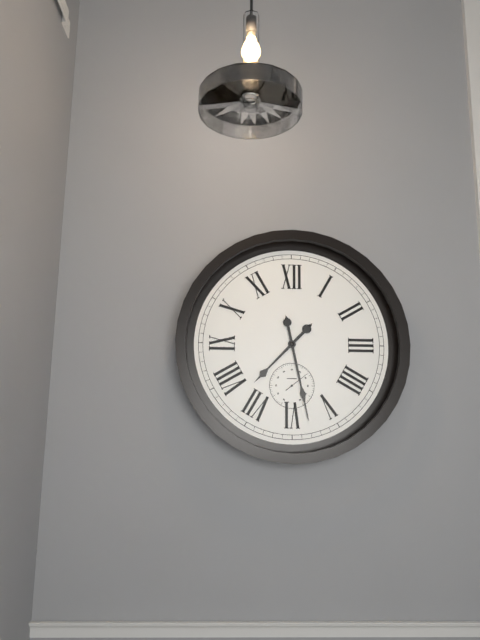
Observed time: **7:28**
